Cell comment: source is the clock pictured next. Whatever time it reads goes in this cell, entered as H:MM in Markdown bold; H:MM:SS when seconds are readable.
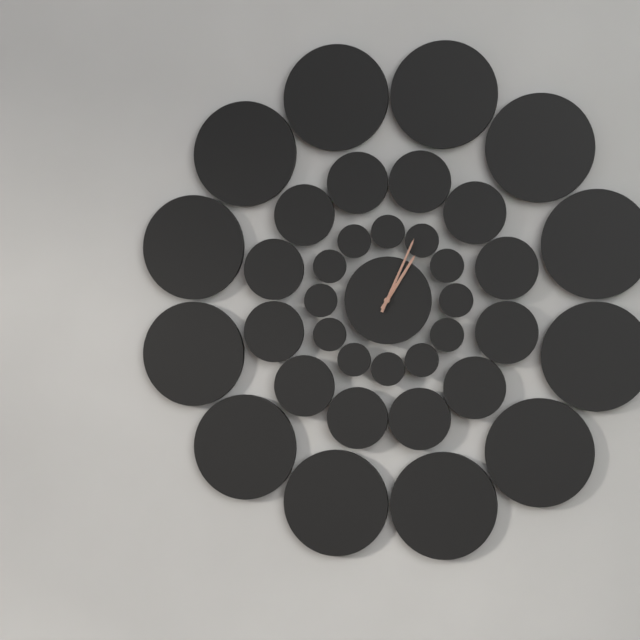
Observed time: **1:04**
